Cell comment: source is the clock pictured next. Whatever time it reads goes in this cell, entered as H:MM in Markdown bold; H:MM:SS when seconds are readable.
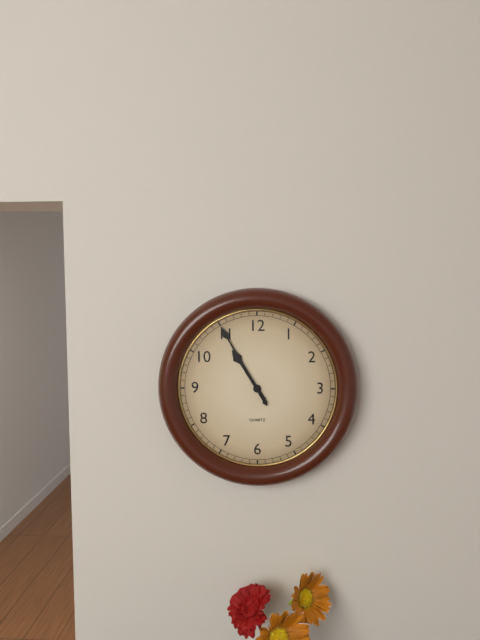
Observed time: **10:55**
